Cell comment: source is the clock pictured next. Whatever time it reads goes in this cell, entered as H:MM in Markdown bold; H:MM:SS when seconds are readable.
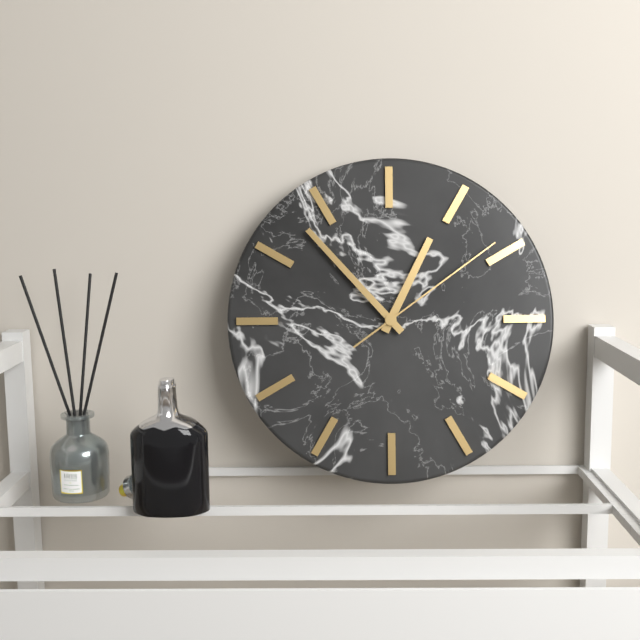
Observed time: **12:53:09**
